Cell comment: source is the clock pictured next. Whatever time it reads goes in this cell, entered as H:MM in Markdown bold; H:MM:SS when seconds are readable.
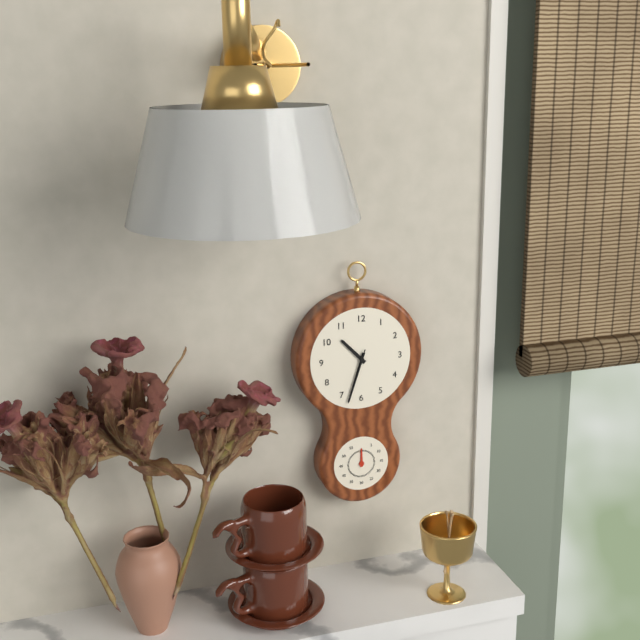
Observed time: **10:33:33**
